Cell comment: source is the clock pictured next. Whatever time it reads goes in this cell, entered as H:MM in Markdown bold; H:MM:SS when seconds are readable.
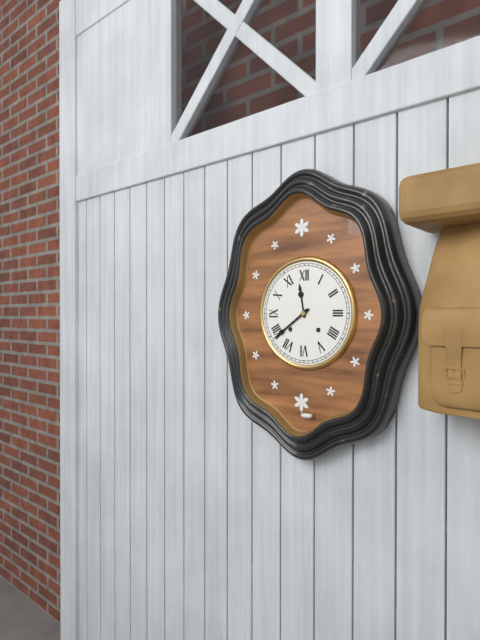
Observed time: **11:39**
